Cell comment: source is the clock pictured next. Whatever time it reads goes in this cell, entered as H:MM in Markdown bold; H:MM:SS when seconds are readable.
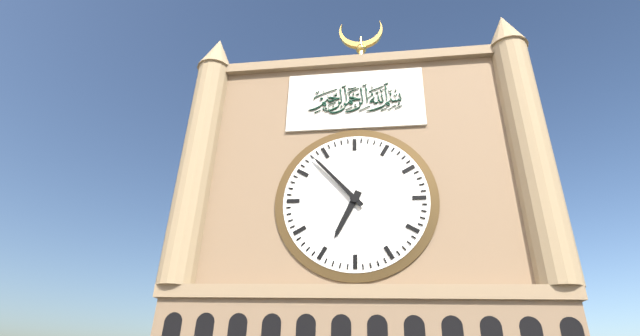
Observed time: **6:53**
